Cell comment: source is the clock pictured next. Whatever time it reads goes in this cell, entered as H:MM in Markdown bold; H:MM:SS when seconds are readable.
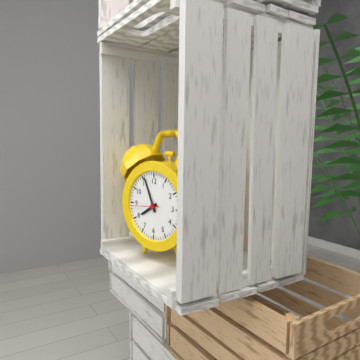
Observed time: **7:56**
